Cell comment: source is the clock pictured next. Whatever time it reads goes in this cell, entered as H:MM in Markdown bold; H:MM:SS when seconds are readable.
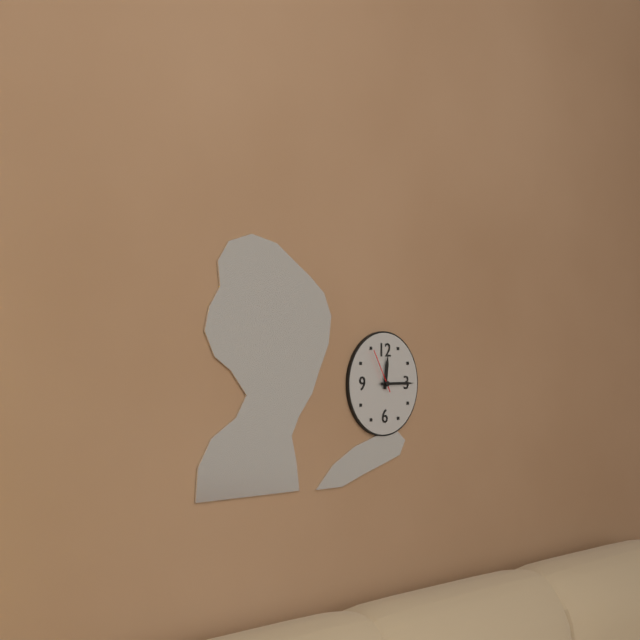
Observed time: **12:15**
